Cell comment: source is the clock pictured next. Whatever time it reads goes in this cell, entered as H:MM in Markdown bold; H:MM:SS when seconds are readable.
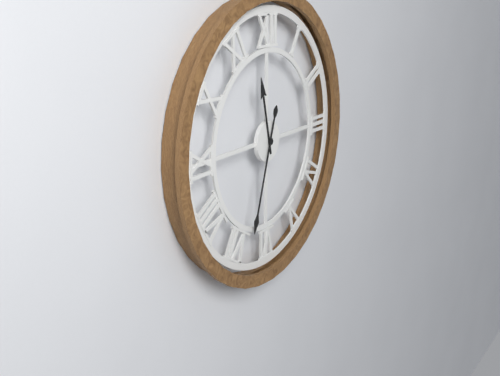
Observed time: **11:33**
